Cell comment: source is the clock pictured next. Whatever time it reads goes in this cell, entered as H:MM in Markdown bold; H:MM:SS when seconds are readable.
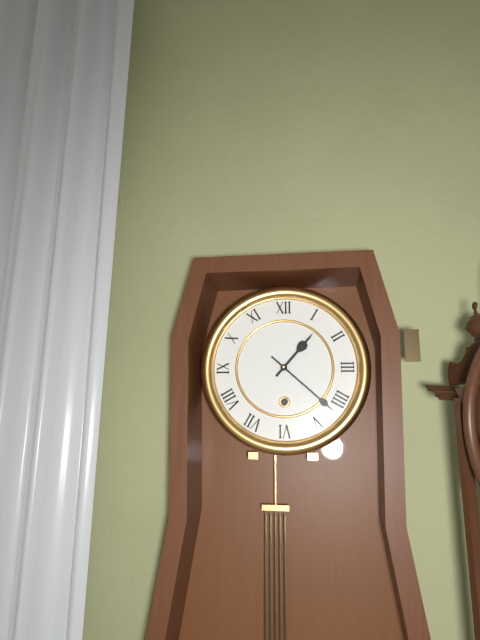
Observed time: **1:22**
